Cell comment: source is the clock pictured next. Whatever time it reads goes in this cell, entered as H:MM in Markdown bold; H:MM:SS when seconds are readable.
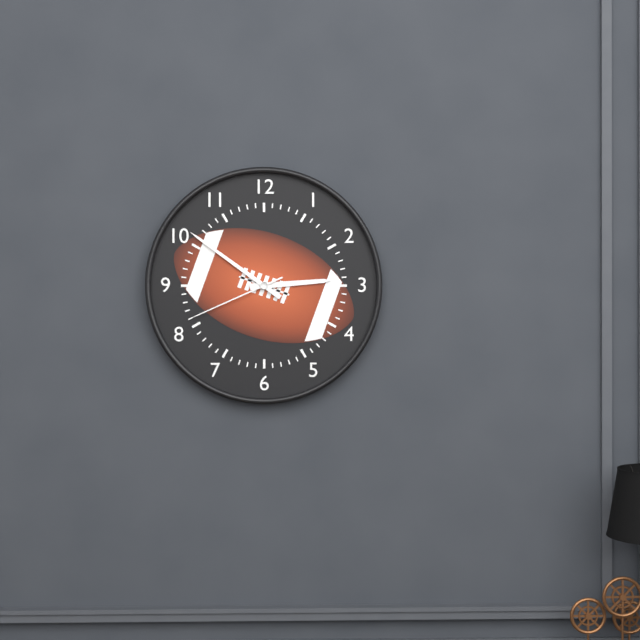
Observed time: **2:51:41**
